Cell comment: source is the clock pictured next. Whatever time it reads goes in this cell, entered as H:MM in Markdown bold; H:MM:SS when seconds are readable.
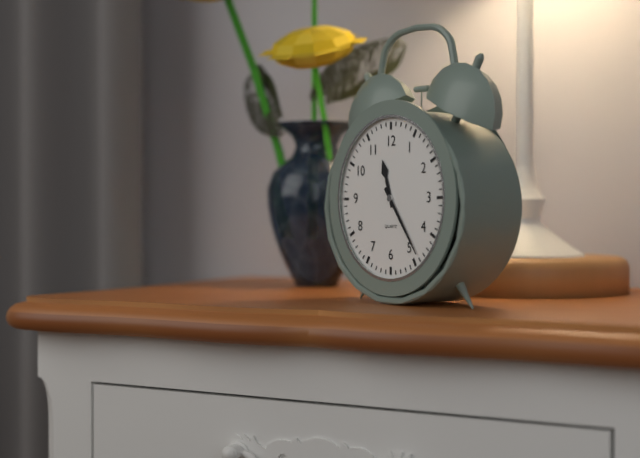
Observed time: **11:24**
